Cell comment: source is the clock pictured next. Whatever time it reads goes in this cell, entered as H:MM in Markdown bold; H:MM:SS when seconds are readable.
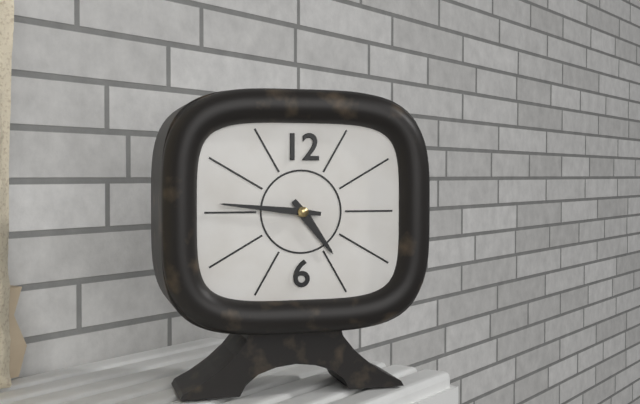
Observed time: **4:46**
